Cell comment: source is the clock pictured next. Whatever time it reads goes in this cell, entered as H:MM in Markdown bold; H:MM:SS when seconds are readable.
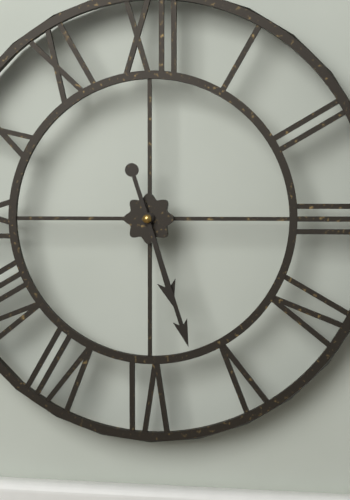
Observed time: **5:27**
